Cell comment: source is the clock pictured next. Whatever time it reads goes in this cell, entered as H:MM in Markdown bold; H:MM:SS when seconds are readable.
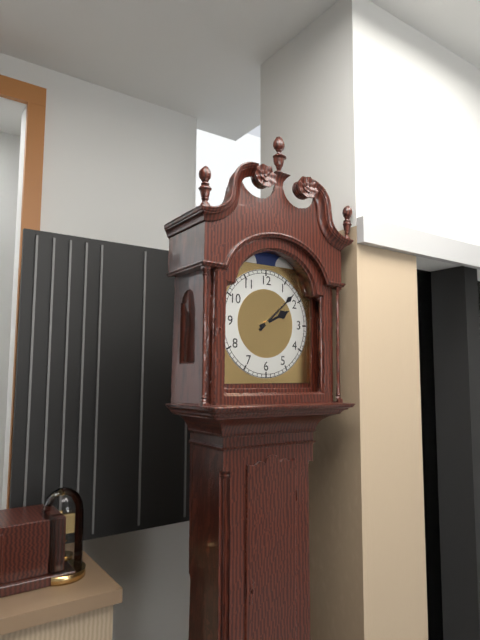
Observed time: **2:08**
